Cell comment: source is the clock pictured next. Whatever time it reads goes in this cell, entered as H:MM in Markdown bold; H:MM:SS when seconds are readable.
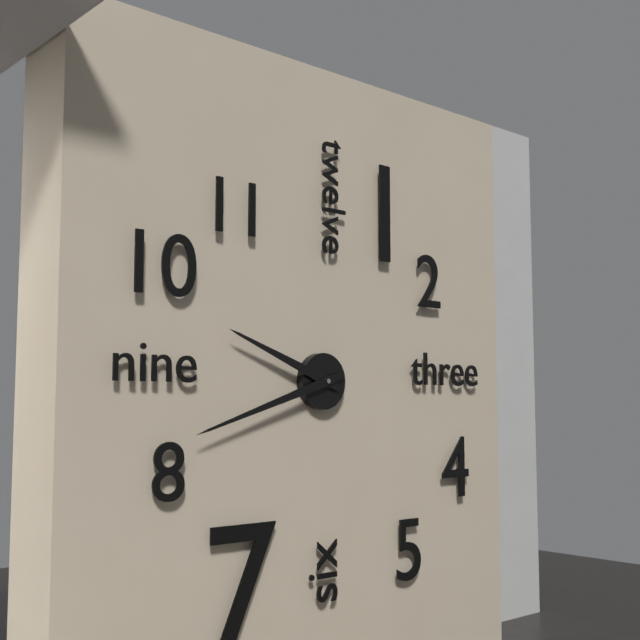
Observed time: **9:42**
